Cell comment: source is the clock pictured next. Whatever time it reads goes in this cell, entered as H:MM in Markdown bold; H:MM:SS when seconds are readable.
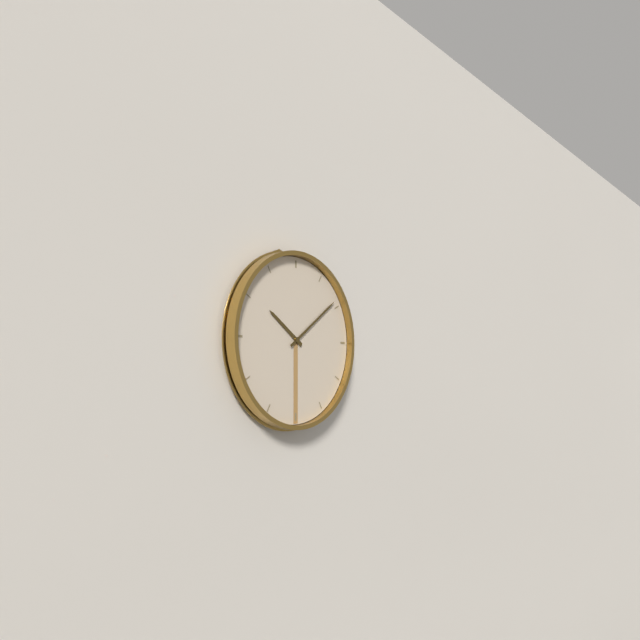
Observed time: **10:09**
